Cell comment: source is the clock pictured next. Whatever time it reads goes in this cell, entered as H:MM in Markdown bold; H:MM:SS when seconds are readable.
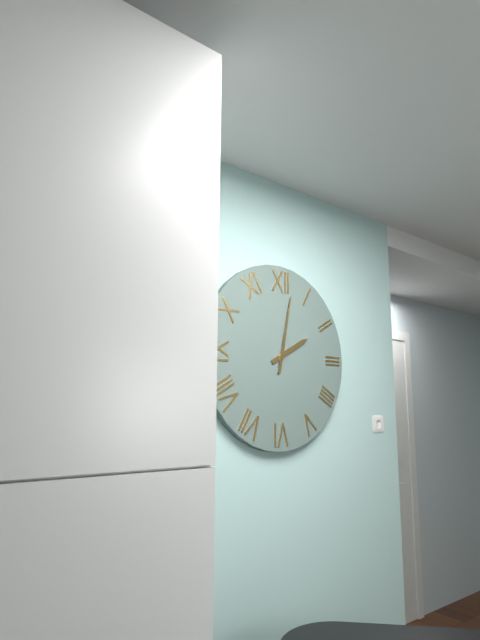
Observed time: **2:02**
